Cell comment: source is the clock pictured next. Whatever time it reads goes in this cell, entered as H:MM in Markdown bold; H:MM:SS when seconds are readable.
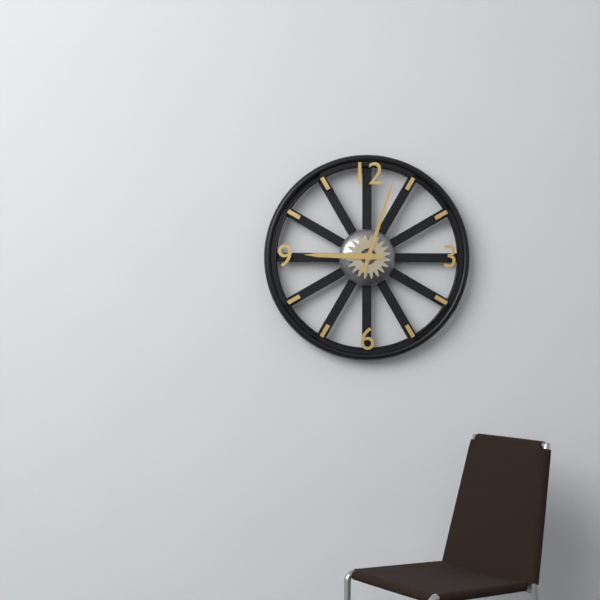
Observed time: **9:03**
